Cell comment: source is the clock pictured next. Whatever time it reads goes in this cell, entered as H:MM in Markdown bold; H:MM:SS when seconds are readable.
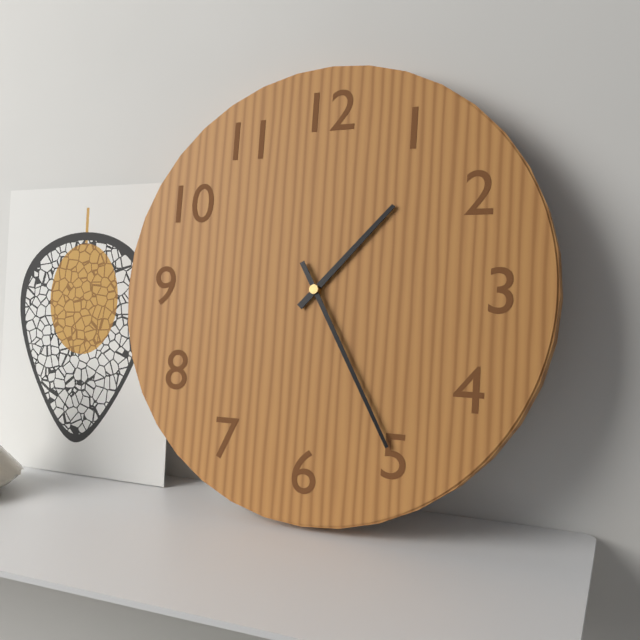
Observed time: **1:25**
